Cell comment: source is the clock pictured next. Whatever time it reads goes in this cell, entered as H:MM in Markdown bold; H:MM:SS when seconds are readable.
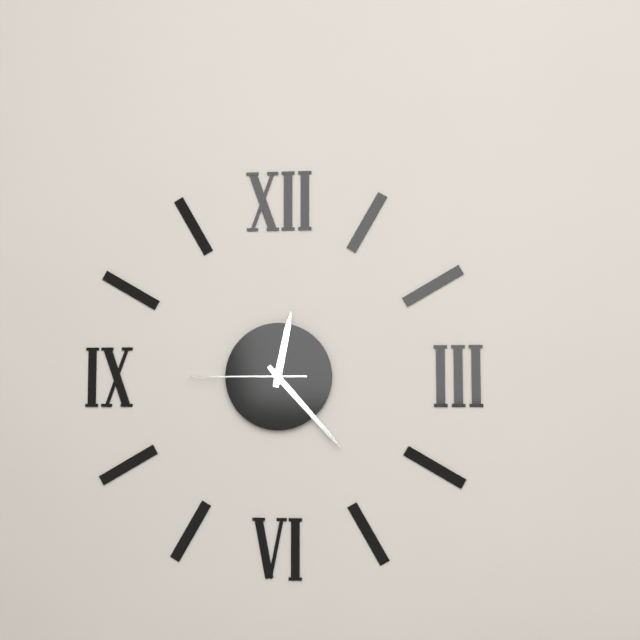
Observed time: **12:23:45**
